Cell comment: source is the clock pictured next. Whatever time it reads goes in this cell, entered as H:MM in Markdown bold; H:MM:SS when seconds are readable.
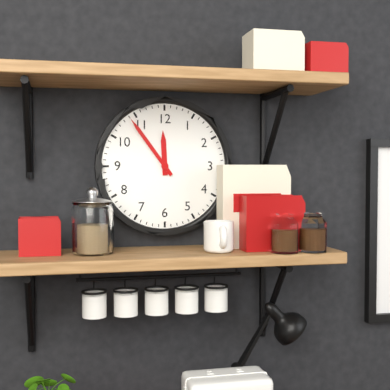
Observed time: **11:54**
